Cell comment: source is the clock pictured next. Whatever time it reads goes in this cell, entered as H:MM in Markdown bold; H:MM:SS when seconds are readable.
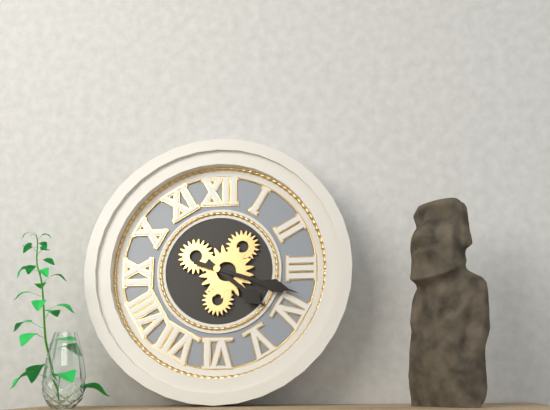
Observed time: **4:18**
